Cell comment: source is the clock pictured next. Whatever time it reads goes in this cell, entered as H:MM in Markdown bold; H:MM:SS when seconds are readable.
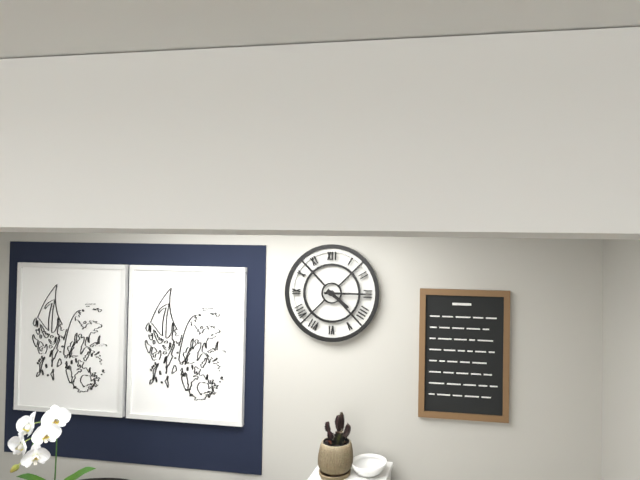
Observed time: **4:15**
